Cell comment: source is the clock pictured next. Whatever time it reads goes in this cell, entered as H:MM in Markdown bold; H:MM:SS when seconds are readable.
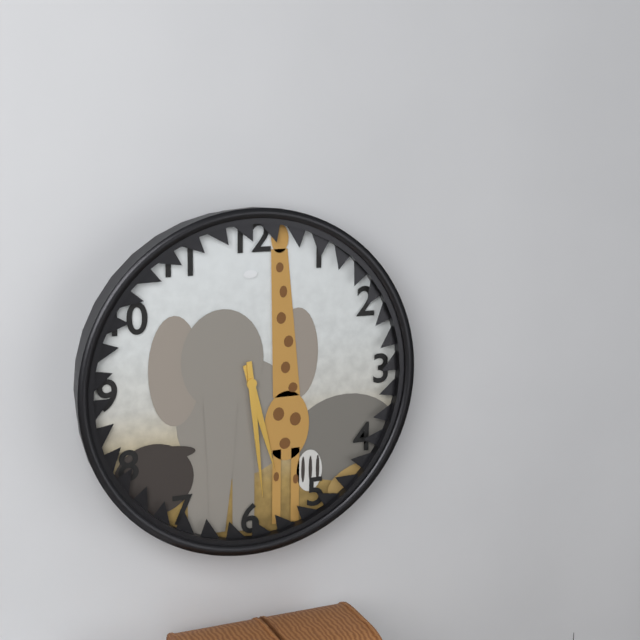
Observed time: **5:29**
